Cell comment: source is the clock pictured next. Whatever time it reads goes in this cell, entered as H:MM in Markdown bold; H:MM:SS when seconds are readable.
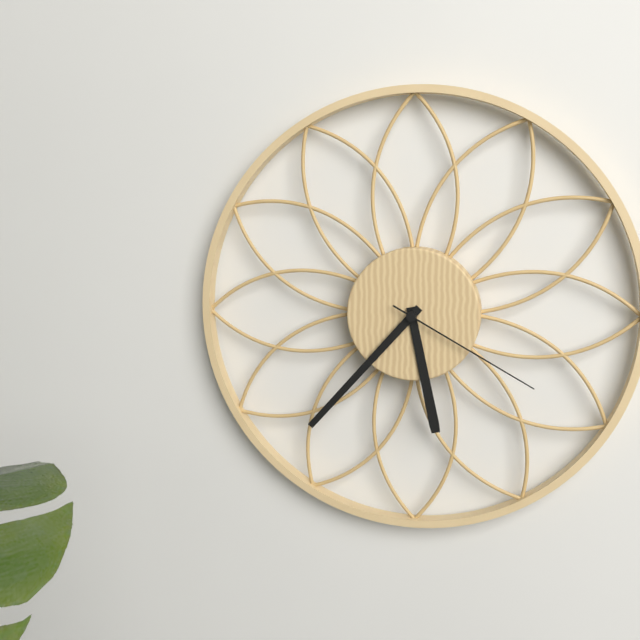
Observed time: **5:37:20**
